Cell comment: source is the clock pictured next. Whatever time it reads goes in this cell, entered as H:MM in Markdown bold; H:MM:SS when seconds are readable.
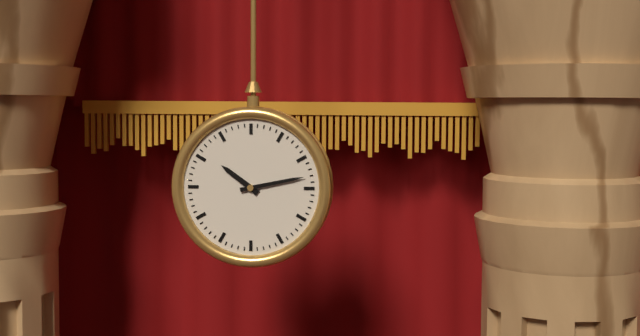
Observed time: **10:13**
